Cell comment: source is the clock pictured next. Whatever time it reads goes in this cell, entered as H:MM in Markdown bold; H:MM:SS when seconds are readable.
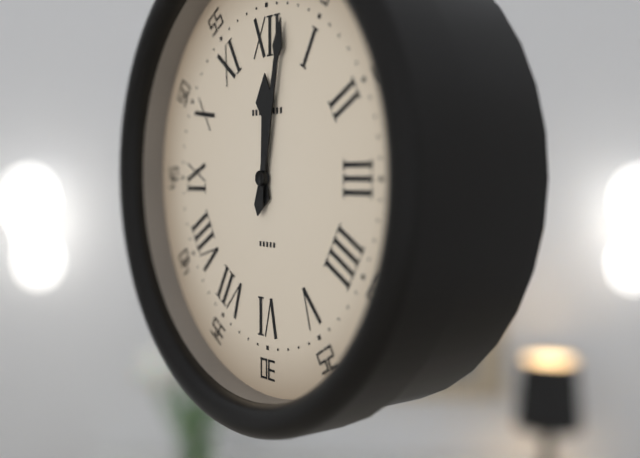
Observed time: **12:02**
